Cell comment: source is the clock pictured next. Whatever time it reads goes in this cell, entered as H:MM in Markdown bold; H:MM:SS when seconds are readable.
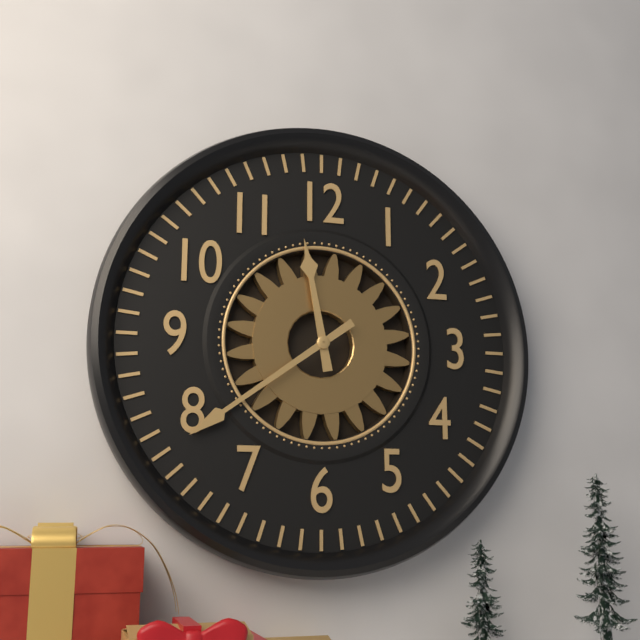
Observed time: **11:39**
